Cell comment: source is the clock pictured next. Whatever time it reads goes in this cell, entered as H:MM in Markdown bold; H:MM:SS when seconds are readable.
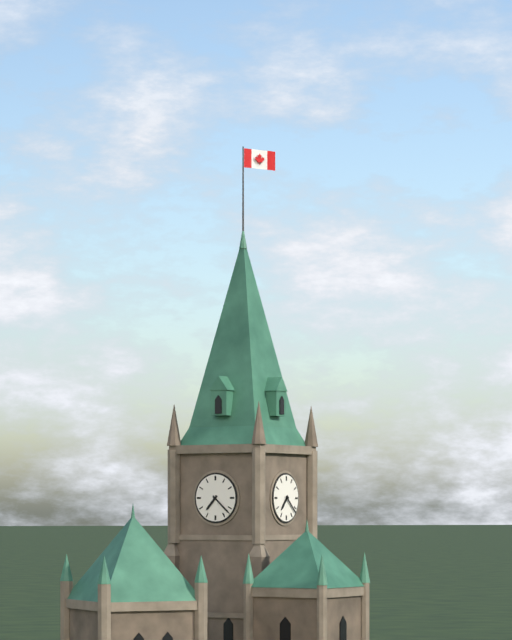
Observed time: **7:22**
